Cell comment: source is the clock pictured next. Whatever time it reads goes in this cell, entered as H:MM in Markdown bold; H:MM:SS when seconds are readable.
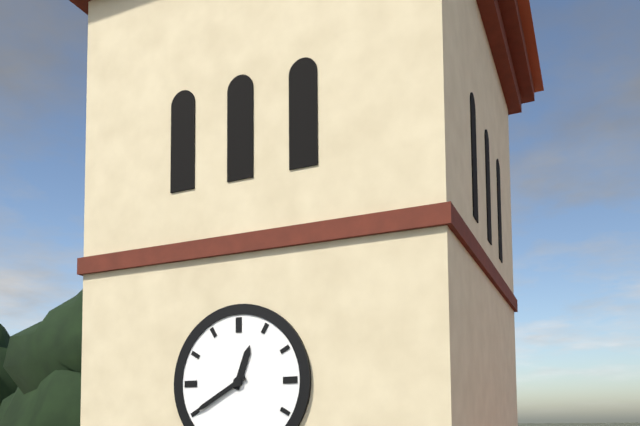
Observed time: **12:40**
